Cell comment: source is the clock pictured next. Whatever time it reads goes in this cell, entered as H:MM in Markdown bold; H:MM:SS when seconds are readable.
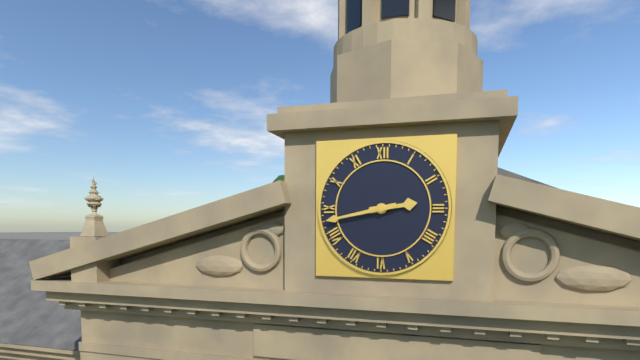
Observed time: **2:43**
